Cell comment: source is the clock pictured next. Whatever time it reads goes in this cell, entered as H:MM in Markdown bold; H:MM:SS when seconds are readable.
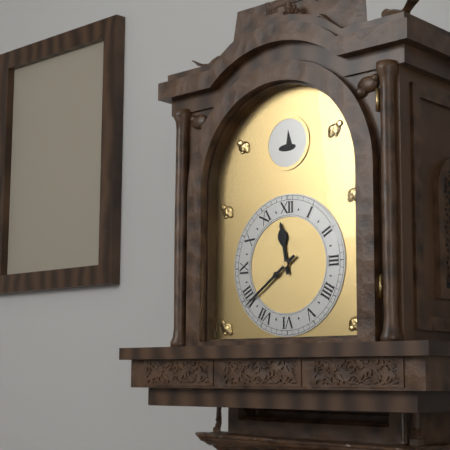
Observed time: **11:39**
